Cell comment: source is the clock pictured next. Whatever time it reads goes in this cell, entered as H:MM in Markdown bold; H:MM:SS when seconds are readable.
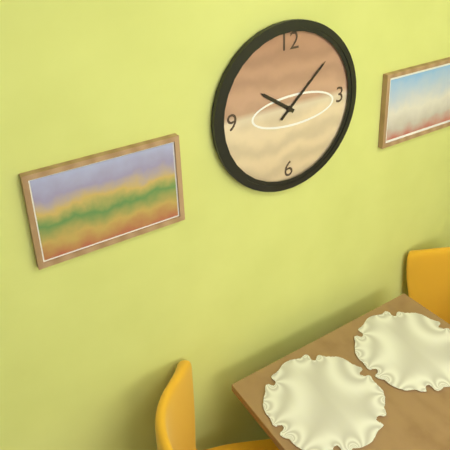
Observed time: **10:08**
